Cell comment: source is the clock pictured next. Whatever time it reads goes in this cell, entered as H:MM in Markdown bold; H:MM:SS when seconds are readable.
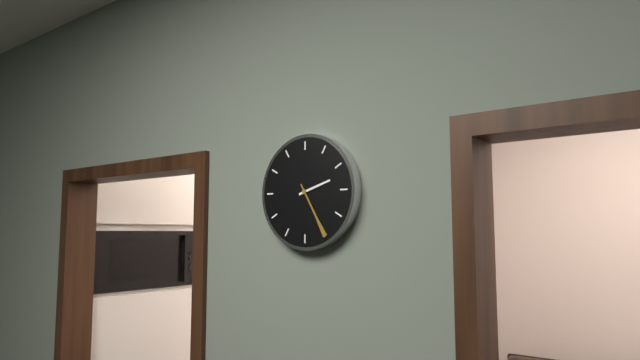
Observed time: **2:25**
